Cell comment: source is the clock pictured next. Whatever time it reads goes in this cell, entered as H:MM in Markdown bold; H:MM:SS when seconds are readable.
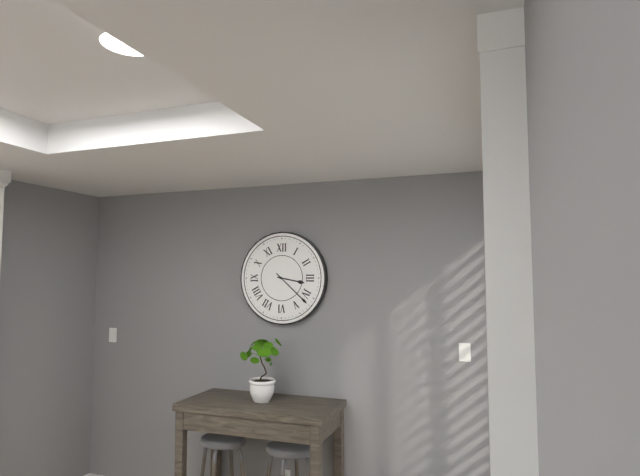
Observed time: **3:22**
